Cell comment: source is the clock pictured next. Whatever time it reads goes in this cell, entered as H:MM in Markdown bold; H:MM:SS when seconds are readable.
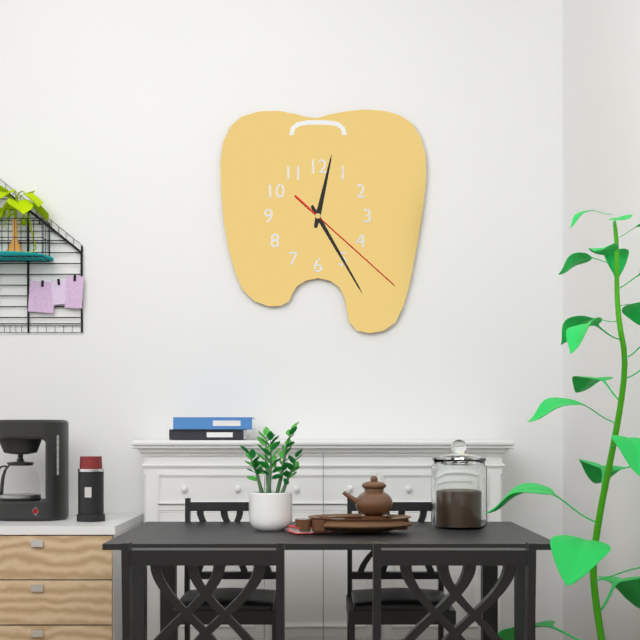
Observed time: **12:25:22**
